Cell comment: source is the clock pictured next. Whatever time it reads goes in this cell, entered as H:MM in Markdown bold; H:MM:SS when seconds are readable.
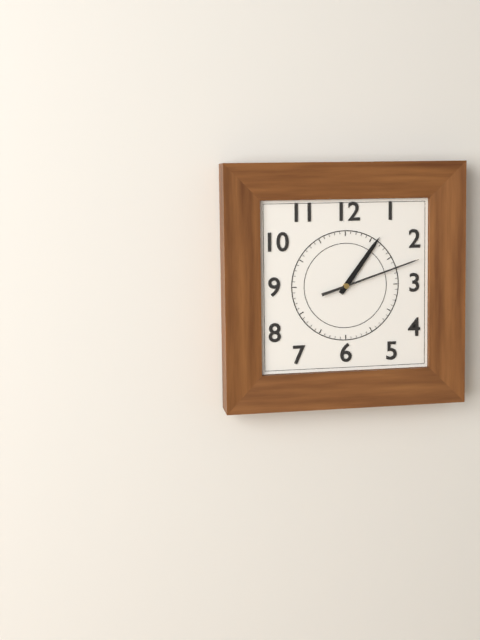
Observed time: **1:12**
